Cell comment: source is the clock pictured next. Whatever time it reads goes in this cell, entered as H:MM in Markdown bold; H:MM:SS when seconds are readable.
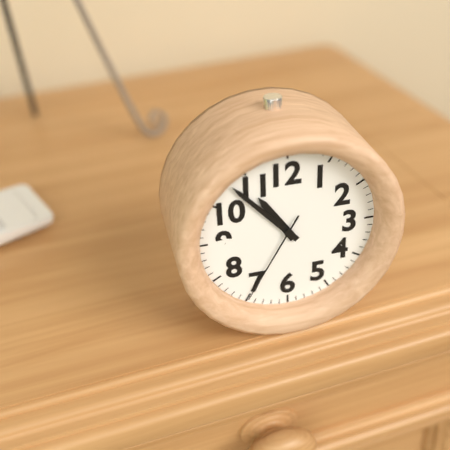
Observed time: **10:53:35**
